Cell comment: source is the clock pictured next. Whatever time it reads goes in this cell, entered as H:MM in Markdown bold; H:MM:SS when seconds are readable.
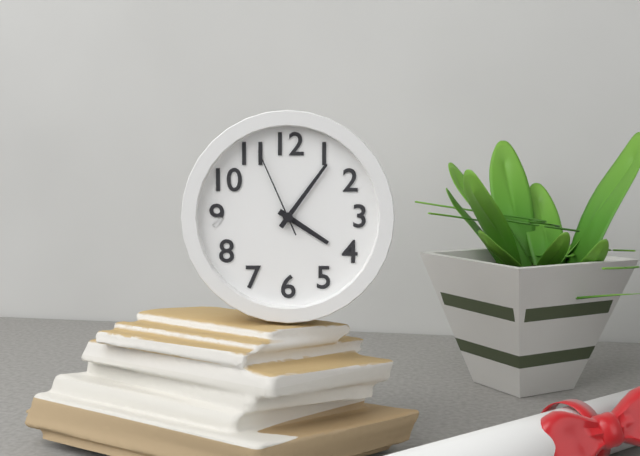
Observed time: **4:06:56**
